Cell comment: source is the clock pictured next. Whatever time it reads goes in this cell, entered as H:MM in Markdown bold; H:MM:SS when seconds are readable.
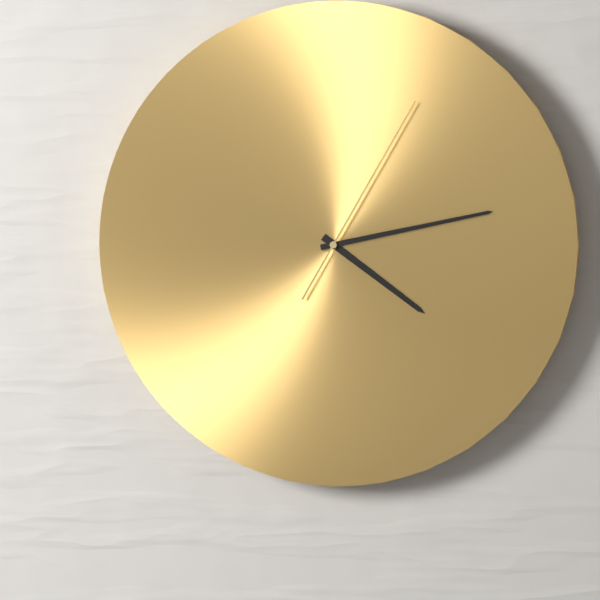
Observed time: **4:13:05**
